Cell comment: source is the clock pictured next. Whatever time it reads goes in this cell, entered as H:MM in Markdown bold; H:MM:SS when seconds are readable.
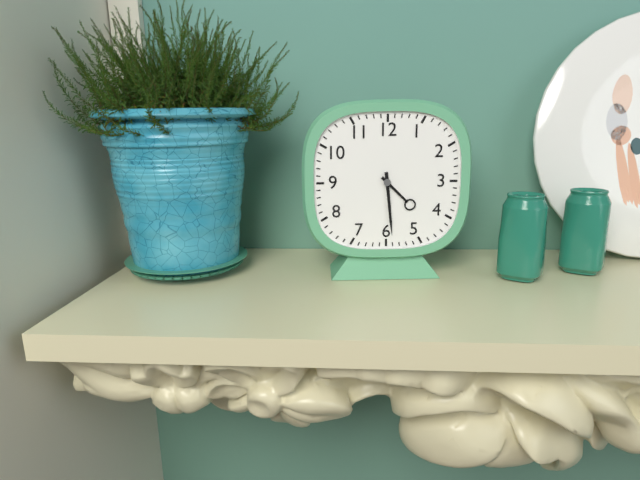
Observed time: **4:29**
